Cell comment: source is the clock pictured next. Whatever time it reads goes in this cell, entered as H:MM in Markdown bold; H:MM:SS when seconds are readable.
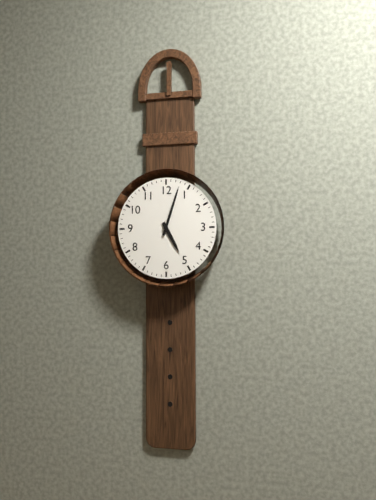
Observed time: **5:03**
